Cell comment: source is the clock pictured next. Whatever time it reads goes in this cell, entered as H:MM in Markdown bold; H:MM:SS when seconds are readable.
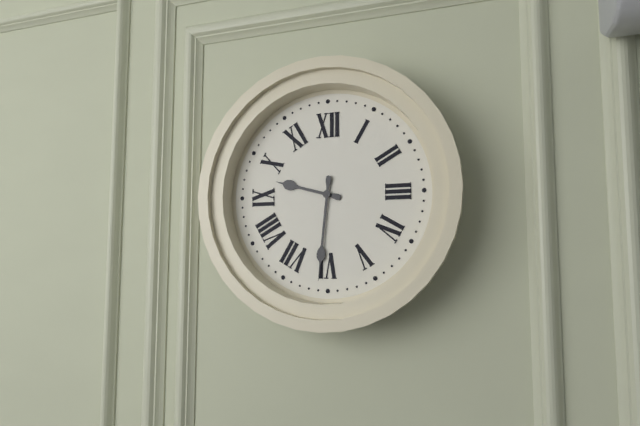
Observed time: **9:31**
